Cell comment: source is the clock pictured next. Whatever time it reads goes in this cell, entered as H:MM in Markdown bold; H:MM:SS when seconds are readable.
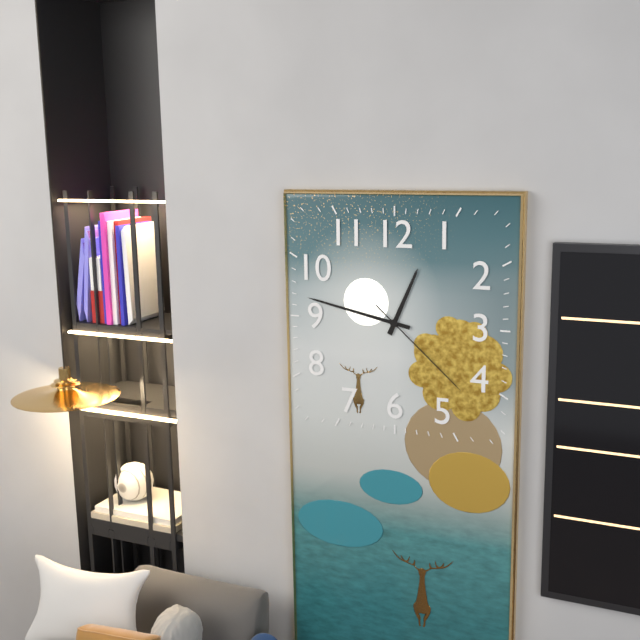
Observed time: **12:47:22**
